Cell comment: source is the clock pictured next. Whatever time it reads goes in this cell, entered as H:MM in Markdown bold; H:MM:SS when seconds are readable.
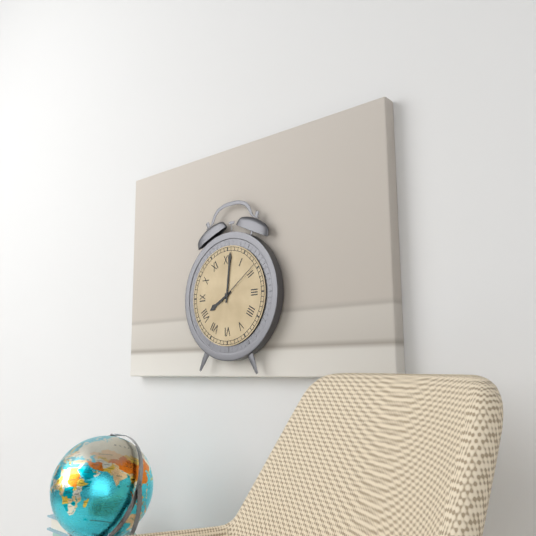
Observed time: **8:01:09**
